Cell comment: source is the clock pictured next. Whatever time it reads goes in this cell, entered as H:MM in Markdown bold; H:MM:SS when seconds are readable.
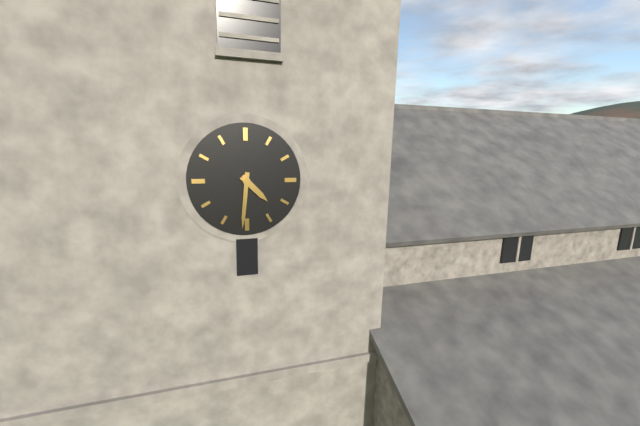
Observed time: **4:31**
